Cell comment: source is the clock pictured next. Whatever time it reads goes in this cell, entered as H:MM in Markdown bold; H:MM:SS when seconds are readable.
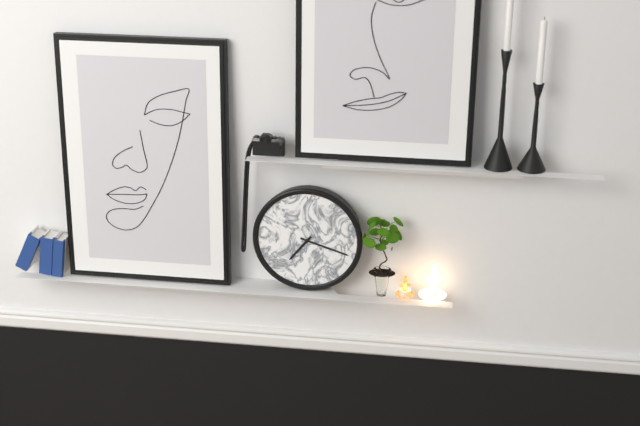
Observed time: **7:18**
